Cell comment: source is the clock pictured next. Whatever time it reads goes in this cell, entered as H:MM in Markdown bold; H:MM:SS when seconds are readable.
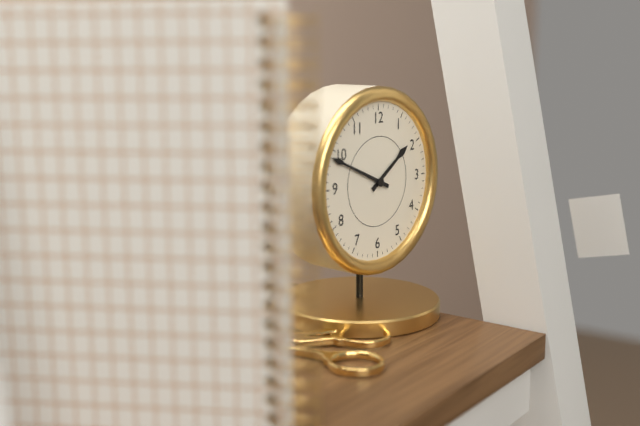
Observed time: **1:49**
